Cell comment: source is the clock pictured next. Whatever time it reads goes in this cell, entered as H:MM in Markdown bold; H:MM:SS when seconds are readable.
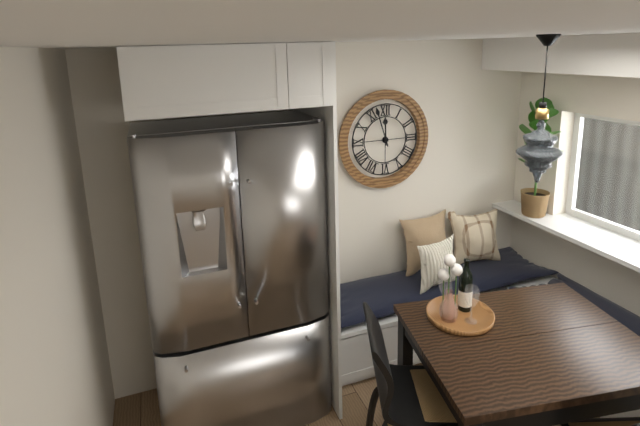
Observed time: **11:57**
